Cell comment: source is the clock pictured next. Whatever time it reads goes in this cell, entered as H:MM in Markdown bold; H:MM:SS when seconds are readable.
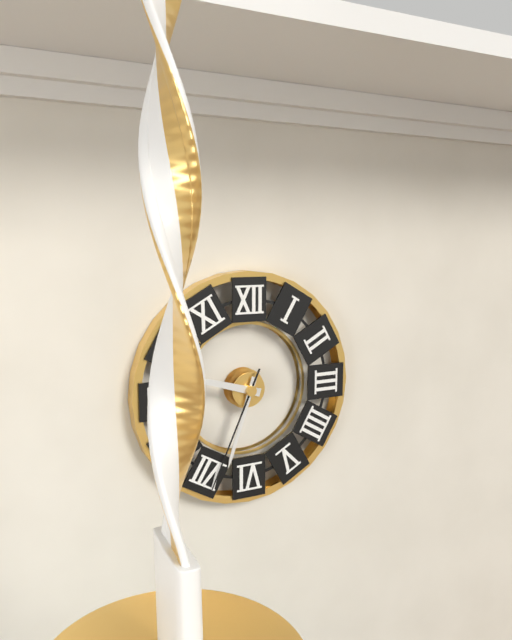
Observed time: **9:33:34**
